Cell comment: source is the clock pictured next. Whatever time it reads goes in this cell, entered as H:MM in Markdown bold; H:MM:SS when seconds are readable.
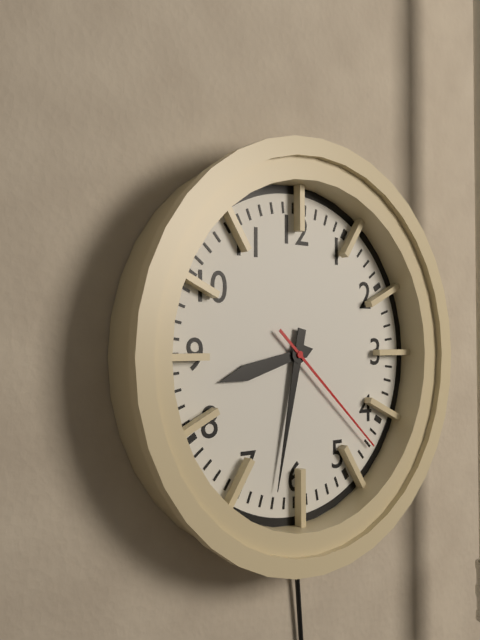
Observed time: **8:32:22**
